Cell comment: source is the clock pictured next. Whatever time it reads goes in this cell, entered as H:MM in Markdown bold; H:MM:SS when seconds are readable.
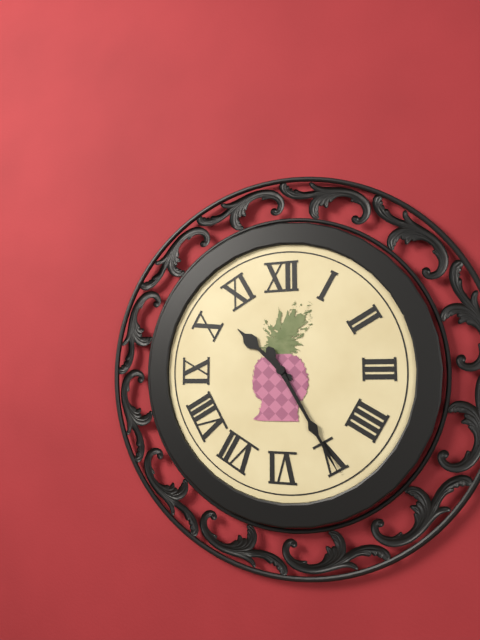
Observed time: **10:25**
